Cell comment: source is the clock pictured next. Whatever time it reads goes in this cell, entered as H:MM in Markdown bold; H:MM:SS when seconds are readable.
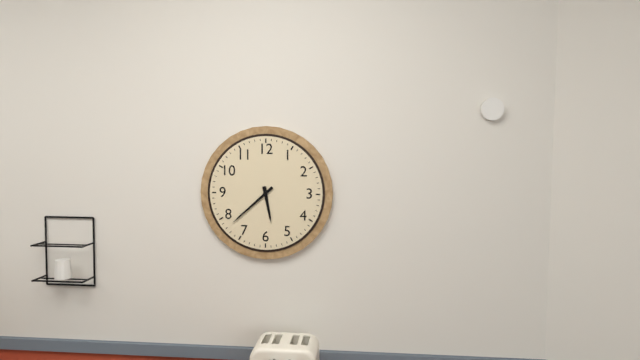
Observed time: **5:38**
